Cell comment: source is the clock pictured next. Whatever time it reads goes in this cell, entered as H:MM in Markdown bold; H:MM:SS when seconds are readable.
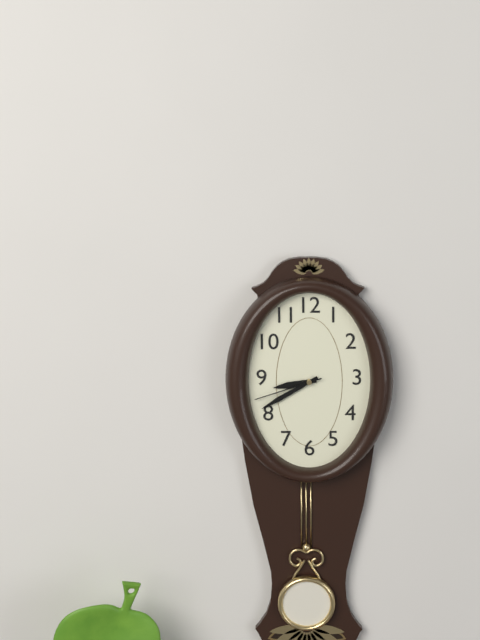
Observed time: **8:40:42**
